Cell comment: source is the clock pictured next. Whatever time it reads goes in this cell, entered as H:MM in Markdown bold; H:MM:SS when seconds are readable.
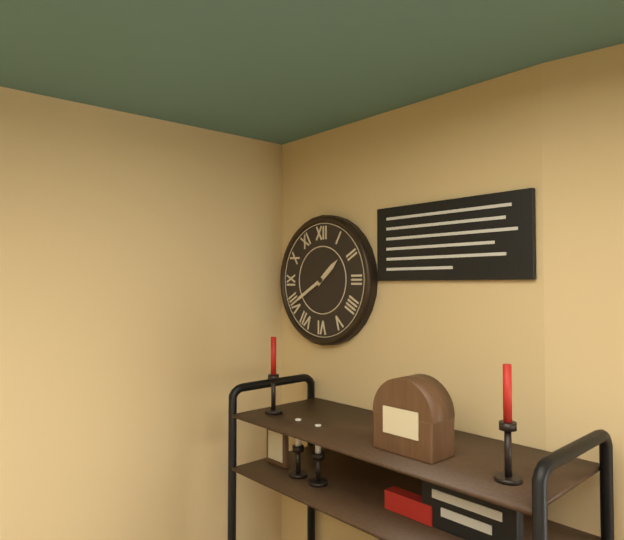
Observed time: **1:40**
